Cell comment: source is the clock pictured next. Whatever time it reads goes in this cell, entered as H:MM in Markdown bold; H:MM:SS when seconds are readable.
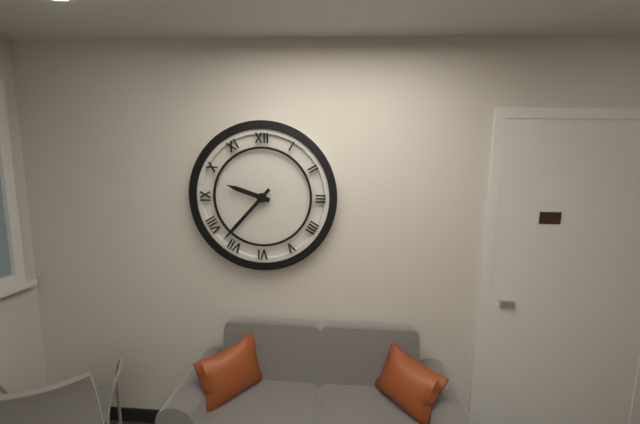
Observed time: **9:37**
